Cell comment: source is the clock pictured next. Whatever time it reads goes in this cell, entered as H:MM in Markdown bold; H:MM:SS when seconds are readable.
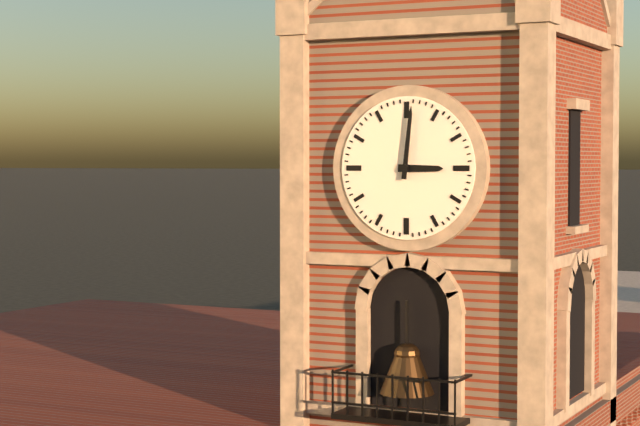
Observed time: **3:01**
